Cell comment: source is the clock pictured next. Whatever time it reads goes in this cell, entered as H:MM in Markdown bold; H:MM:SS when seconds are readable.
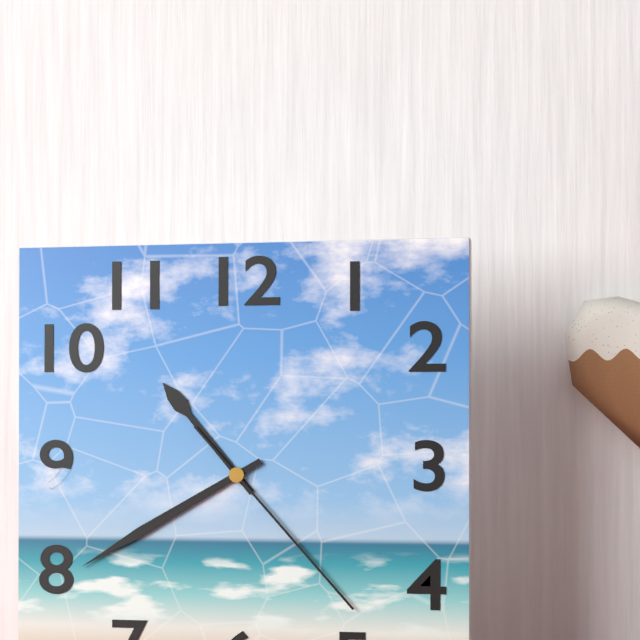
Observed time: **10:40:23**
